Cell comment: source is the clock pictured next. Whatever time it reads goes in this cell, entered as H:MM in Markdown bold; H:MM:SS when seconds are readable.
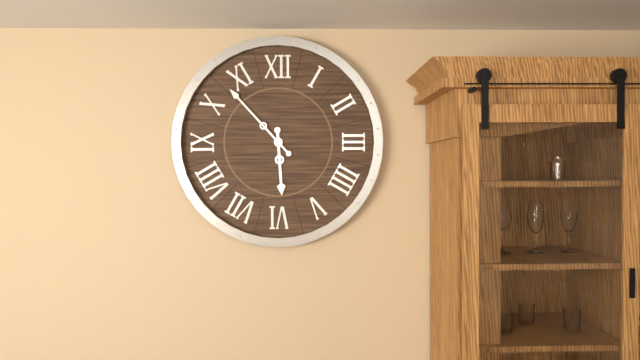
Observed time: **5:53**
